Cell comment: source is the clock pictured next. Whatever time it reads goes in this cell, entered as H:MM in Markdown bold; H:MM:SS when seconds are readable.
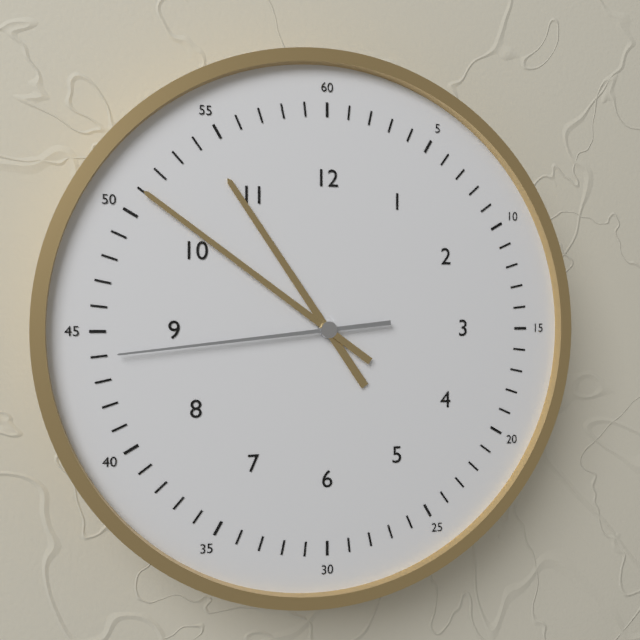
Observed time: **10:51:44**
